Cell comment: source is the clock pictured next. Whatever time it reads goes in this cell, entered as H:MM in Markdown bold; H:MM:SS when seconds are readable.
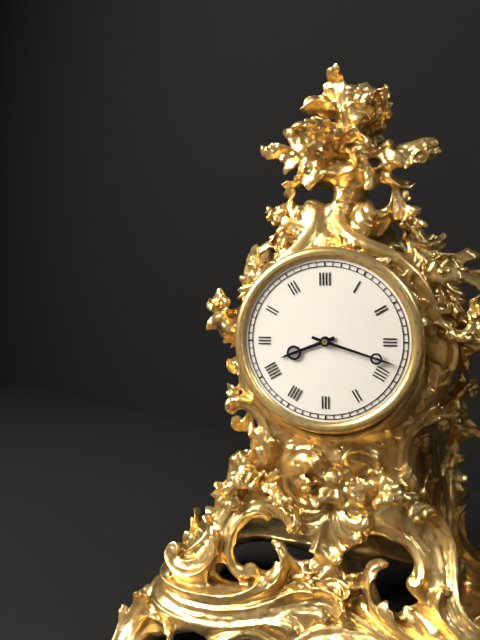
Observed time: **8:18**
